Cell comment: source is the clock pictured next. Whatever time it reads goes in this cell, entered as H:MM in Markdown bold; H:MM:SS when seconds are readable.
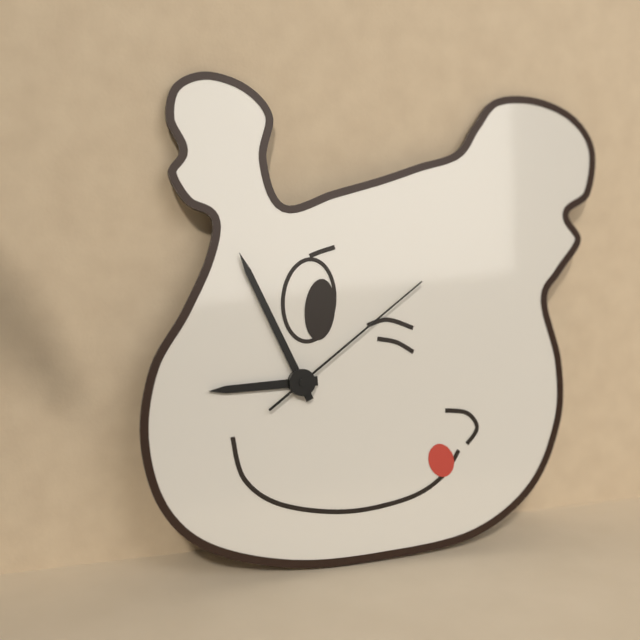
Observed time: **8:56:09**
